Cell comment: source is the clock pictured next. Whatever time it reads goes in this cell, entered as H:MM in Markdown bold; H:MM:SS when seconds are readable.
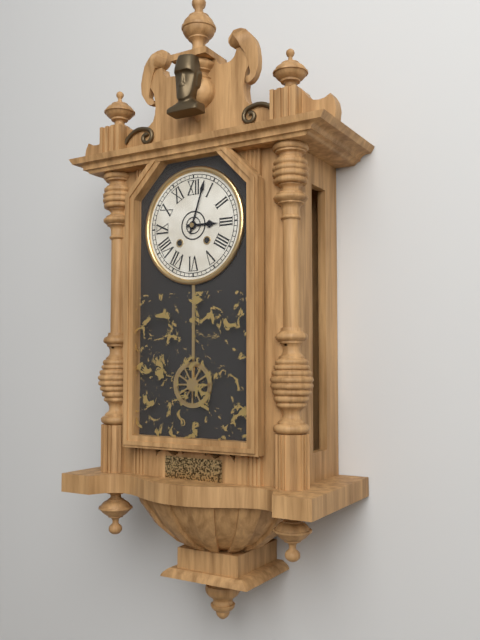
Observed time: **3:03**
